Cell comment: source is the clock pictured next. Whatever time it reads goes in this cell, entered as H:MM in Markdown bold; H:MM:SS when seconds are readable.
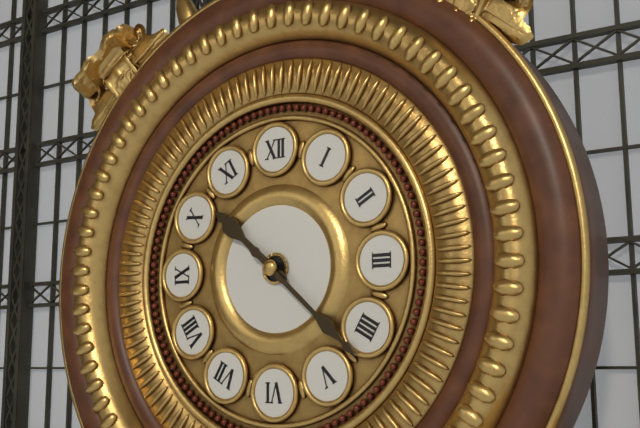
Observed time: **10:22**
